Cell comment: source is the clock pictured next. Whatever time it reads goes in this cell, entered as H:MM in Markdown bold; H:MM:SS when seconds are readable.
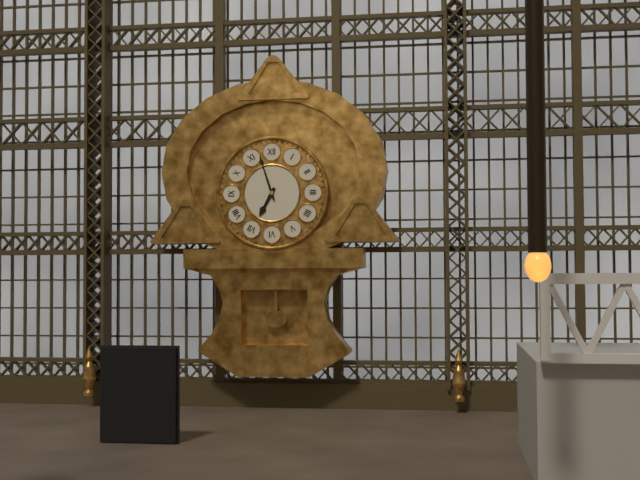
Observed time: **6:57**
